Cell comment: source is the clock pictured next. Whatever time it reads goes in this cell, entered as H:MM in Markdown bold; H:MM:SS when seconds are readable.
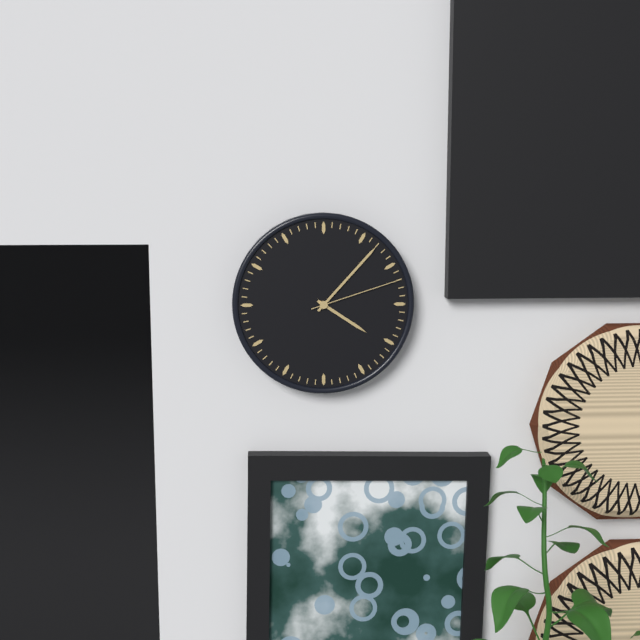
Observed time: **4:07:12**
